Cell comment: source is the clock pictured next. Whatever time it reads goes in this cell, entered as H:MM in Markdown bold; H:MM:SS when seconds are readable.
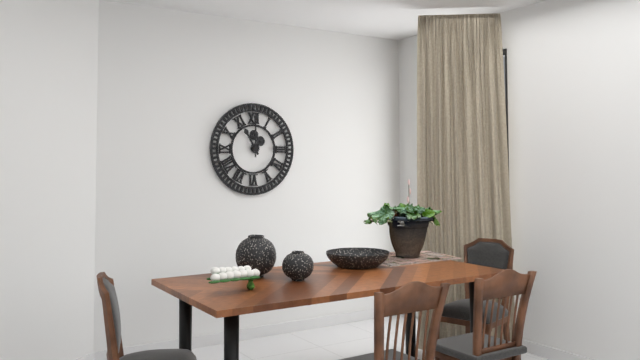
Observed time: **11:00**
